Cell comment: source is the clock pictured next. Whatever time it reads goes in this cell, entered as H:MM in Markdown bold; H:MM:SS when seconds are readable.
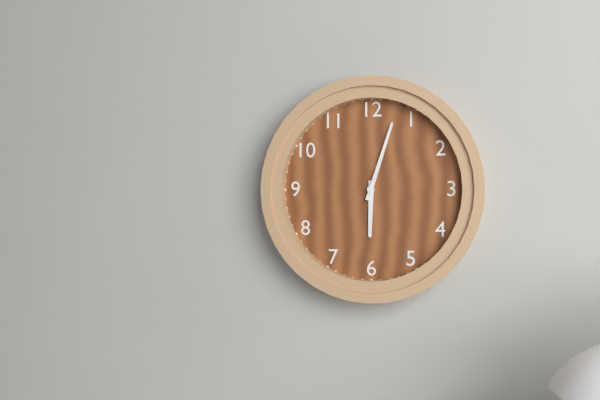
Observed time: **6:03**
